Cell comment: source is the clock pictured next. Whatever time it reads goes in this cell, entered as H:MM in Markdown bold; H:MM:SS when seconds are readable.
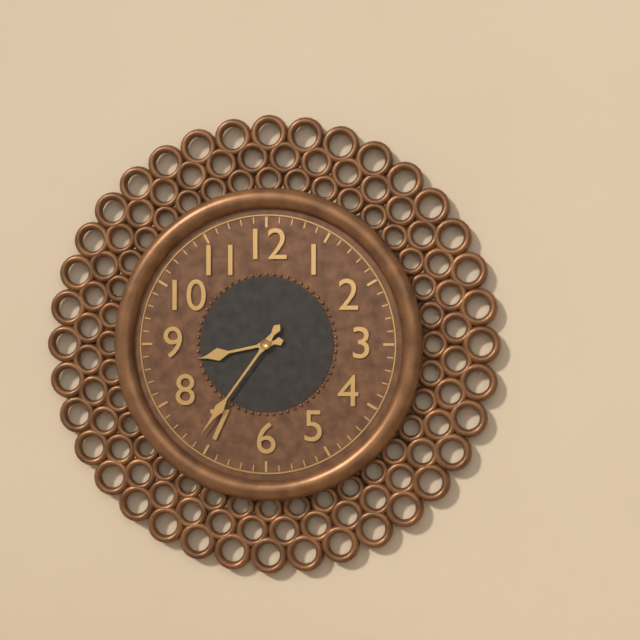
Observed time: **8:36**
